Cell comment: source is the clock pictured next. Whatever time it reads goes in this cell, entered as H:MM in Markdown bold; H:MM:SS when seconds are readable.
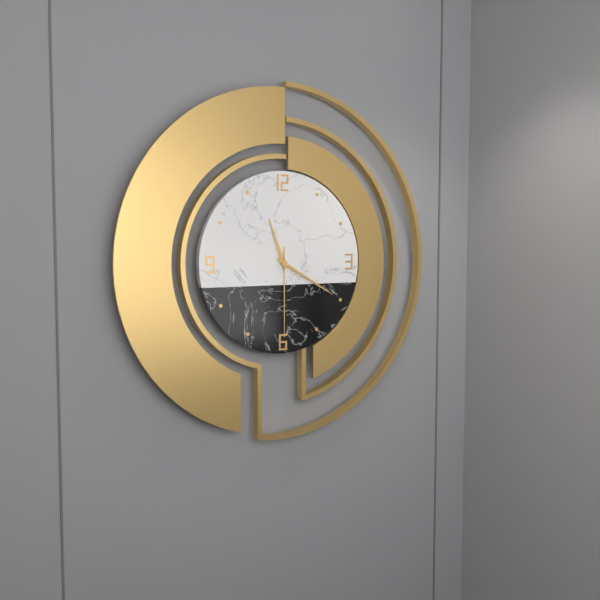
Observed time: **11:20:30**
